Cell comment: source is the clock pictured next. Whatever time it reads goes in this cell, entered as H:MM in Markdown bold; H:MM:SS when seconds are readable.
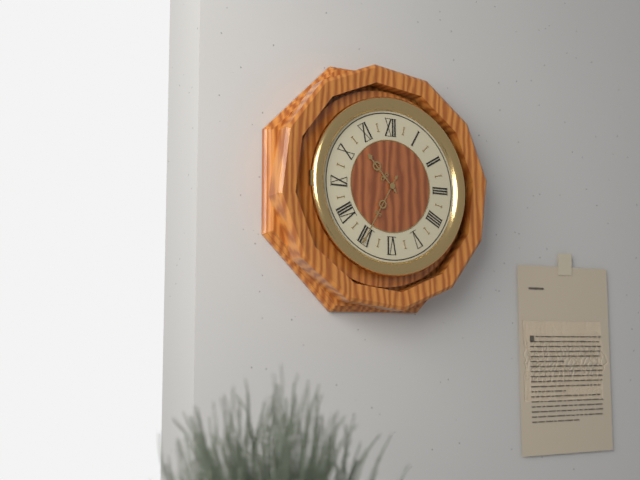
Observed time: **10:35**
